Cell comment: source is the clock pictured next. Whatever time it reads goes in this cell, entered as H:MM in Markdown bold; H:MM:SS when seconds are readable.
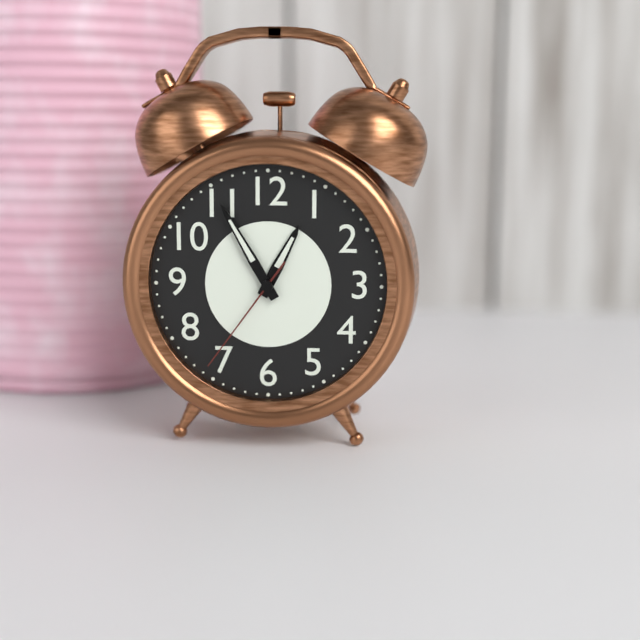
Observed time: **12:55:36**
